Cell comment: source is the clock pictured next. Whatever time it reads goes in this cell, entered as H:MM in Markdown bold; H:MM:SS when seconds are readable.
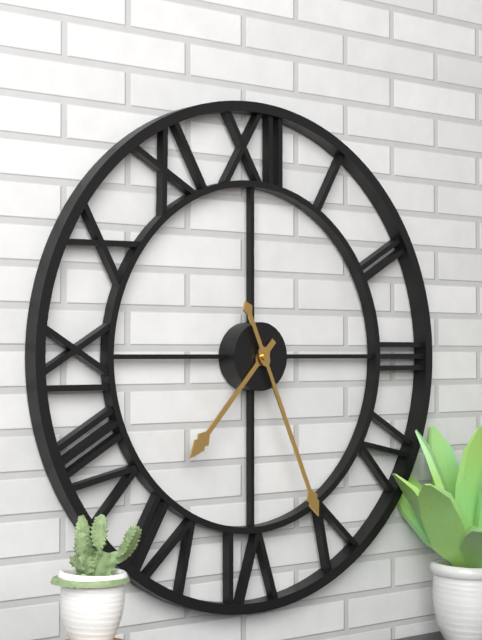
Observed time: **7:26**
